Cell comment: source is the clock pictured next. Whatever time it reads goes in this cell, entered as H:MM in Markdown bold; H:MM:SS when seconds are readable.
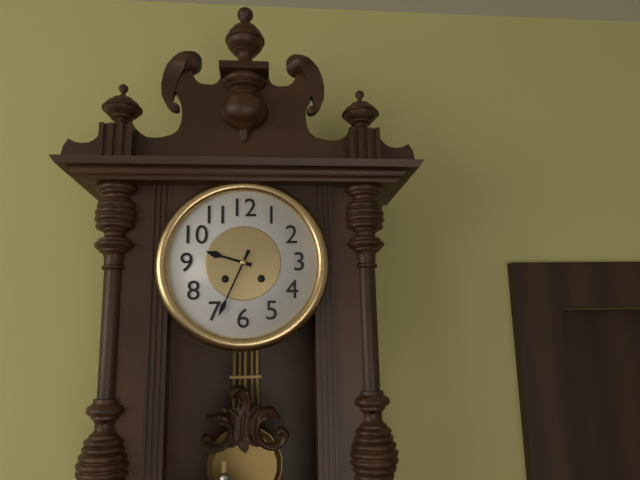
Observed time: **9:34**
